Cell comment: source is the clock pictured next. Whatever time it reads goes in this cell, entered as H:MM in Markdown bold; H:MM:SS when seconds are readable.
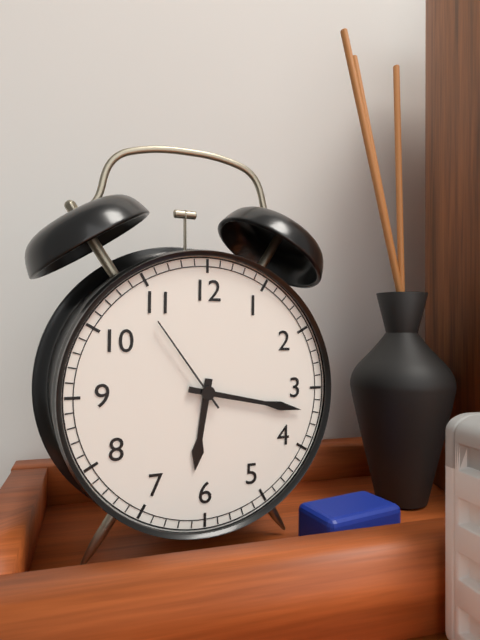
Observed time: **6:17:54**
